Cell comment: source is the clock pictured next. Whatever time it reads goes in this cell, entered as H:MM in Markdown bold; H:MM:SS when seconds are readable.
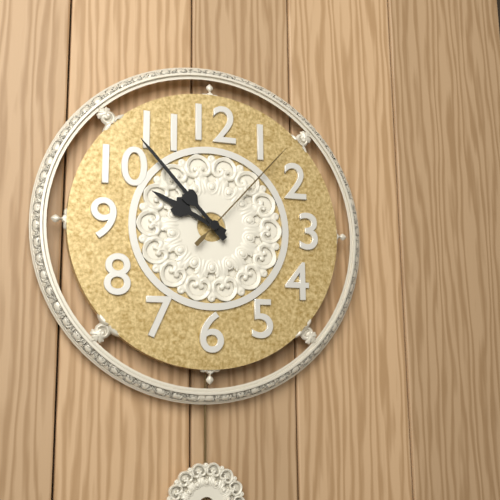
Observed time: **9:53:07**
